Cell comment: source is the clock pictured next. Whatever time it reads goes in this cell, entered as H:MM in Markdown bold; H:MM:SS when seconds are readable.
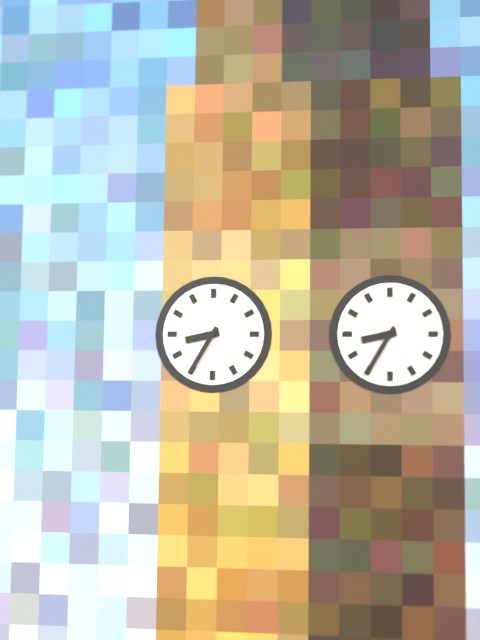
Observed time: **8:35**
